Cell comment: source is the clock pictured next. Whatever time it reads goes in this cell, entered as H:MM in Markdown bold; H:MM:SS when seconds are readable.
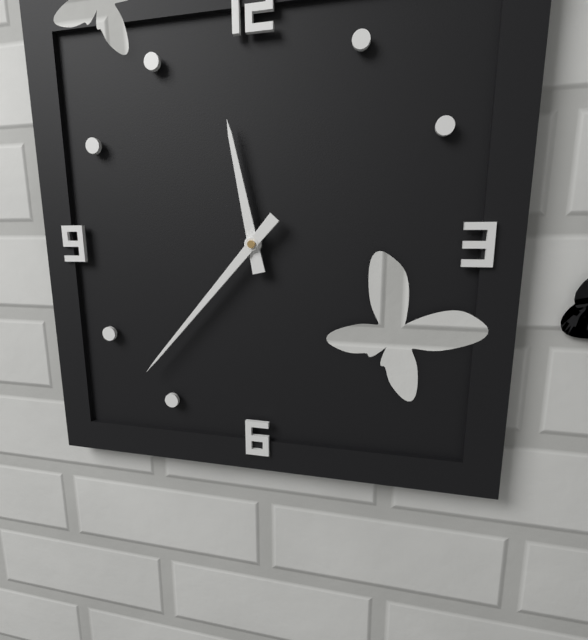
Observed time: **11:37**
